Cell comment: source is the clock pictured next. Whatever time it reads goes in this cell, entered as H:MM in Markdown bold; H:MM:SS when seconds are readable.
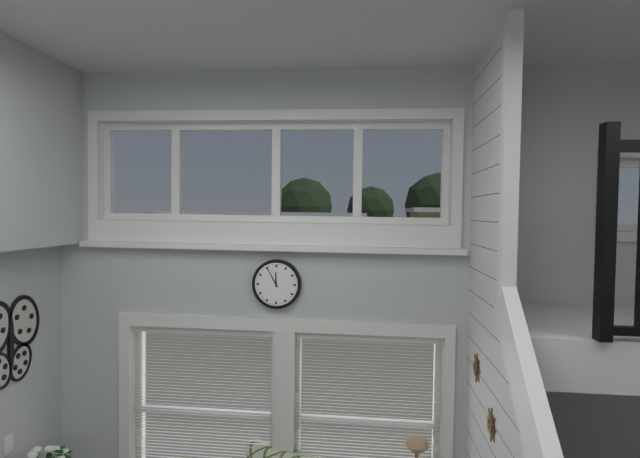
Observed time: **11:55**
